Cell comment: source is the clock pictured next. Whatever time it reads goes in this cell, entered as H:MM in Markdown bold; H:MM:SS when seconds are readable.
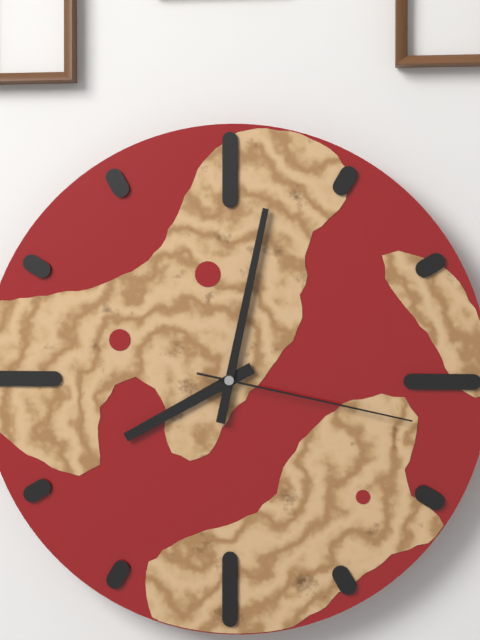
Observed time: **8:02:17**
